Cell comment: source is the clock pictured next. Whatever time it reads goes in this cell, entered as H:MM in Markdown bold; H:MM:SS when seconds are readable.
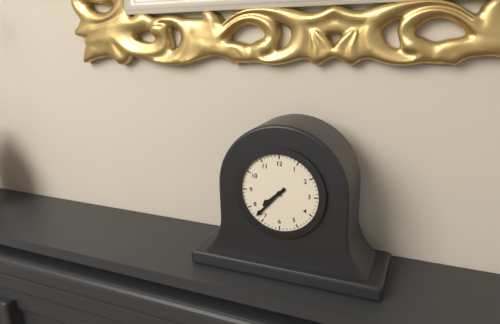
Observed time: **7:37**
